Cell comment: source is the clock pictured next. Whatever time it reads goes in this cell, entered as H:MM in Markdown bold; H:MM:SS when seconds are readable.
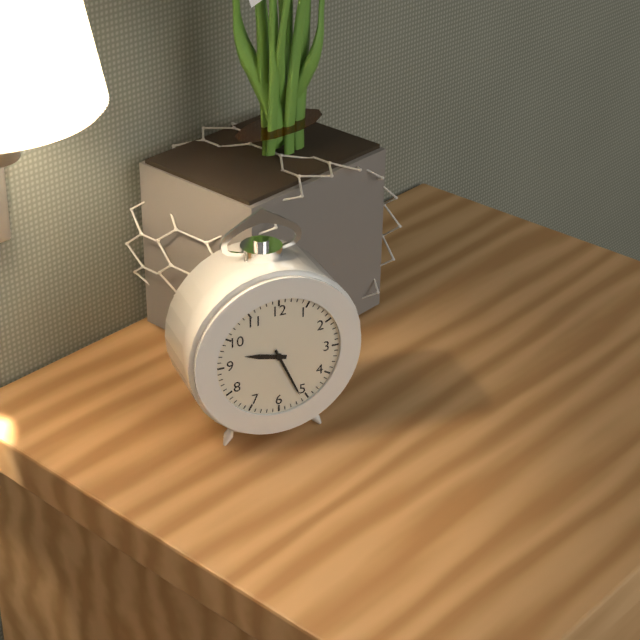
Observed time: **9:26**
